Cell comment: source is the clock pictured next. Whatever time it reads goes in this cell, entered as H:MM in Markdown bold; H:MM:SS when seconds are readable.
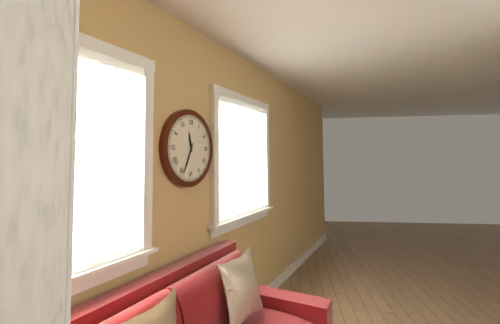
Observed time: **11:34**
